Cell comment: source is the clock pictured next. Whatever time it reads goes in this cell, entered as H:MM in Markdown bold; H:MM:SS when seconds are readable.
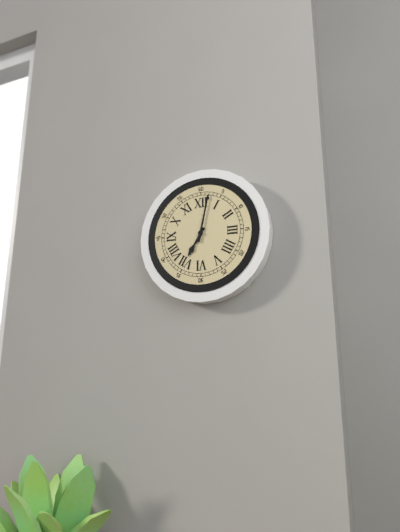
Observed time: **7:02**
